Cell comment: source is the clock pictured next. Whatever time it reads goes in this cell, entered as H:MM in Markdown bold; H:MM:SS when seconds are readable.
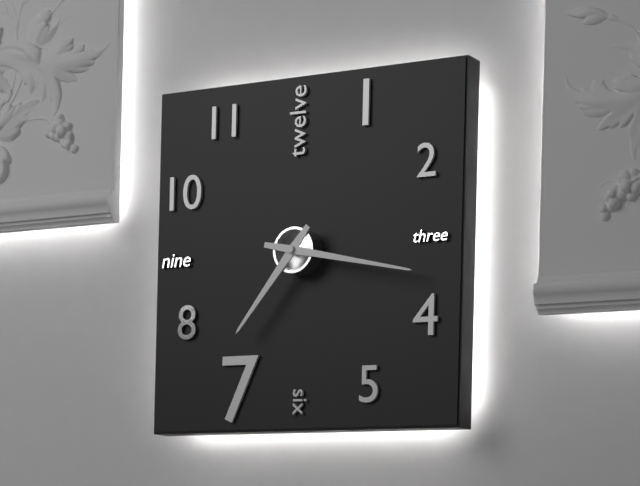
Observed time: **7:17**
